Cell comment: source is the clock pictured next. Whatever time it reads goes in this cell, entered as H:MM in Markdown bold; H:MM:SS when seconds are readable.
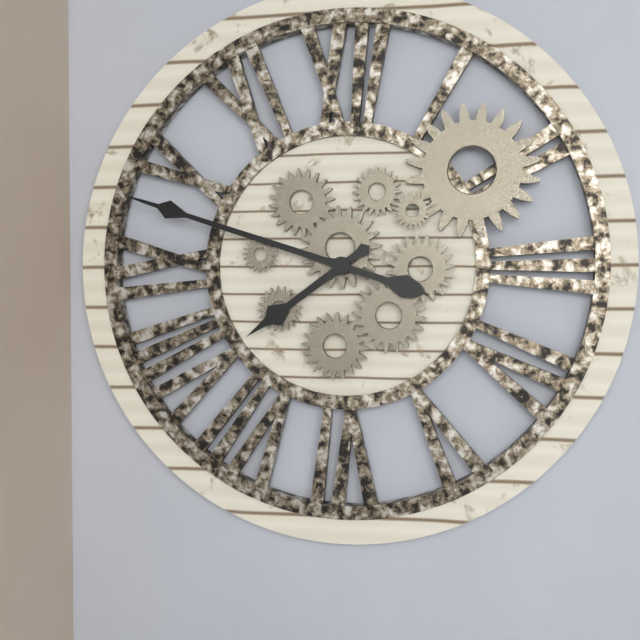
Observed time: **7:48**
